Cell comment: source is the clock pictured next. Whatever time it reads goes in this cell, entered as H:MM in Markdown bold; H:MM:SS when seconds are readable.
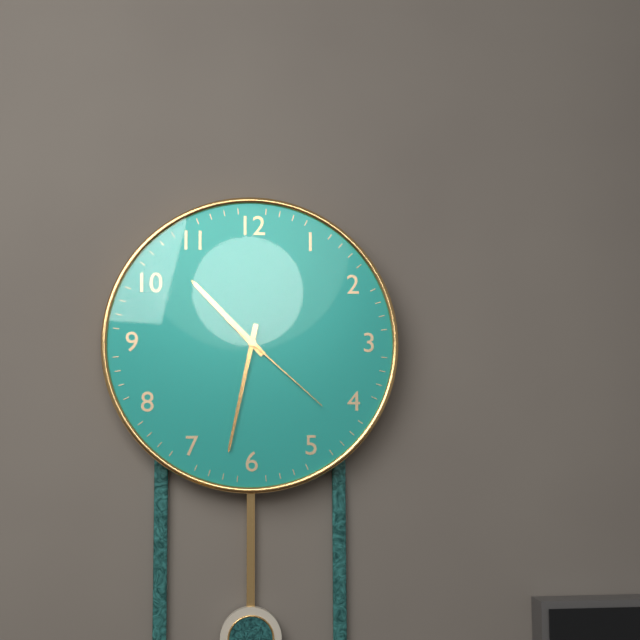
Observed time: **10:32:22**
